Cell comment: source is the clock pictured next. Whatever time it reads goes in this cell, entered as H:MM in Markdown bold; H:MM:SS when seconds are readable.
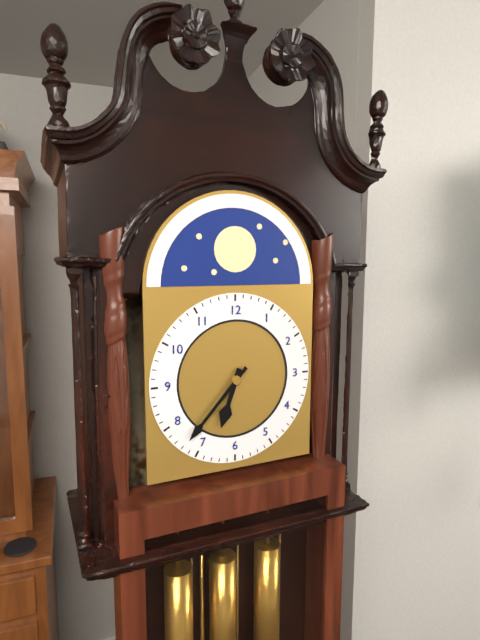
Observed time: **6:37**
